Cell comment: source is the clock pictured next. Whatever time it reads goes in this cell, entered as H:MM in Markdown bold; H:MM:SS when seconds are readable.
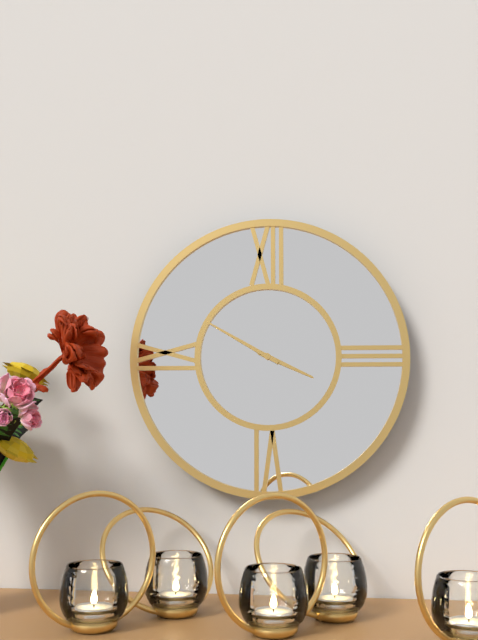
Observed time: **3:50**
